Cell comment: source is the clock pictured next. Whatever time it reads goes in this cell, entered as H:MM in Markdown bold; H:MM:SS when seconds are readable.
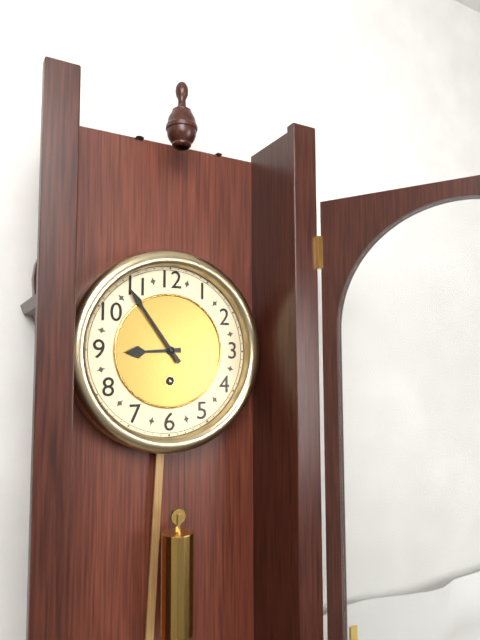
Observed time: **8:54**
